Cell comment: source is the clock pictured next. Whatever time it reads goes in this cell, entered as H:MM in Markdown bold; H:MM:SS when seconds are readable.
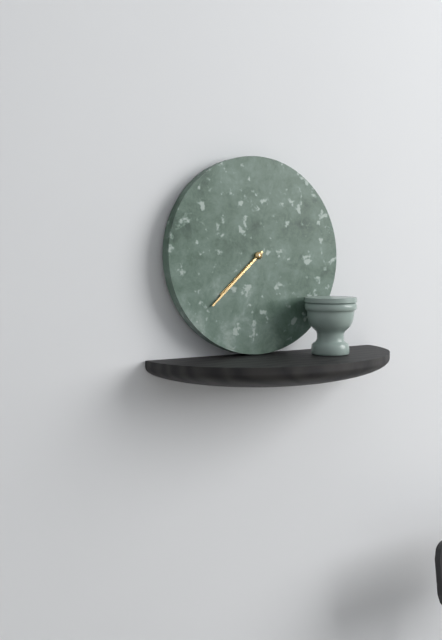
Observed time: **7:38**
